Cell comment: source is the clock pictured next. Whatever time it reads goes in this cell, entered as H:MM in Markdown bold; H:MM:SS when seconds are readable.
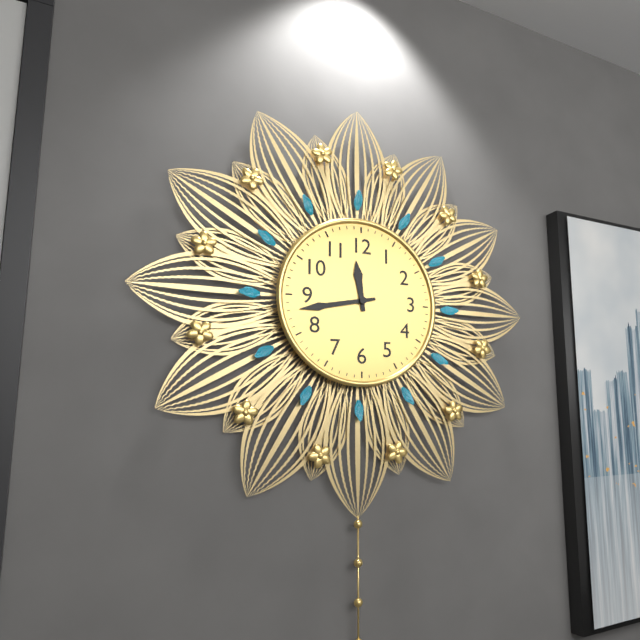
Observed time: **11:43**
